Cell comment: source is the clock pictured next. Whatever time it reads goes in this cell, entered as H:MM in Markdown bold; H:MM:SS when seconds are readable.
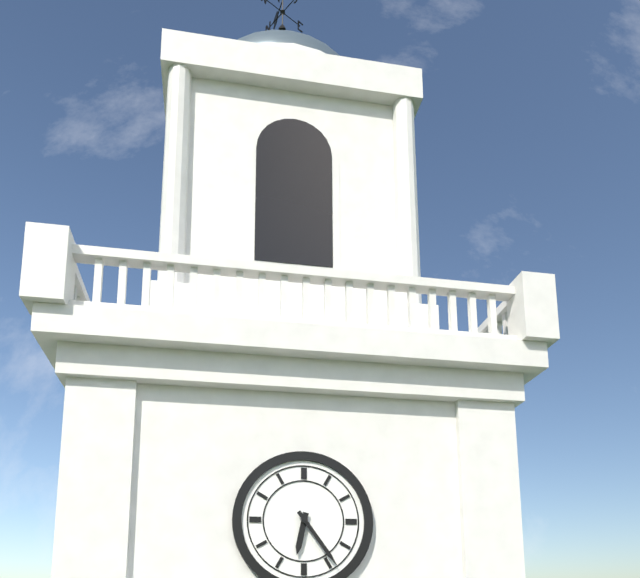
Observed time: **6:24**
